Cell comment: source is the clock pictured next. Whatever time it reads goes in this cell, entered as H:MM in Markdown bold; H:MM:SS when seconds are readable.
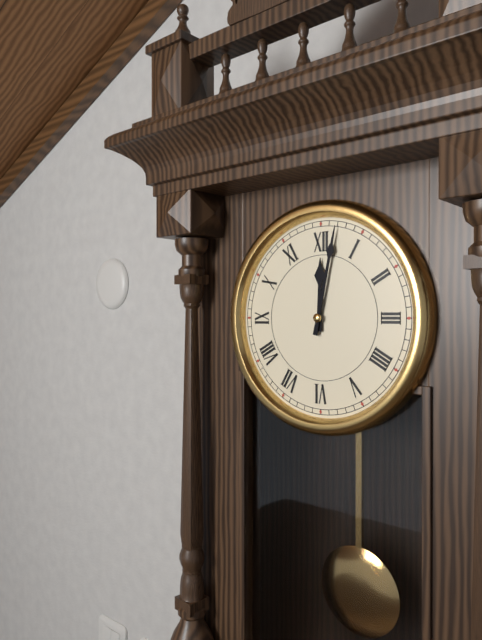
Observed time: **12:02**
